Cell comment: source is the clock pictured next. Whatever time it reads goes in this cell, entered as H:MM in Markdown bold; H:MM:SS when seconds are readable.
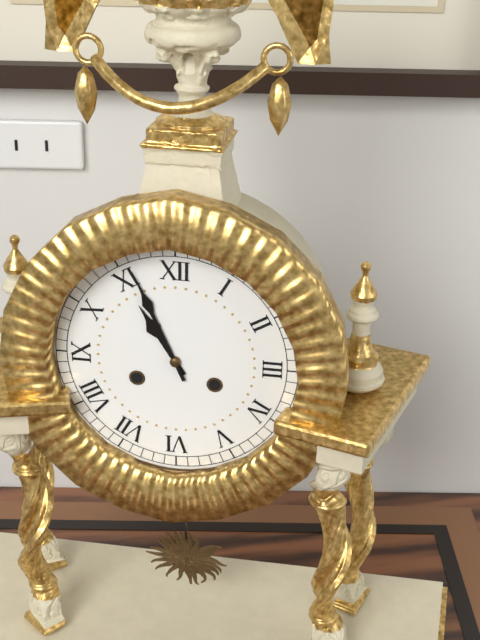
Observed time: **10:56**
